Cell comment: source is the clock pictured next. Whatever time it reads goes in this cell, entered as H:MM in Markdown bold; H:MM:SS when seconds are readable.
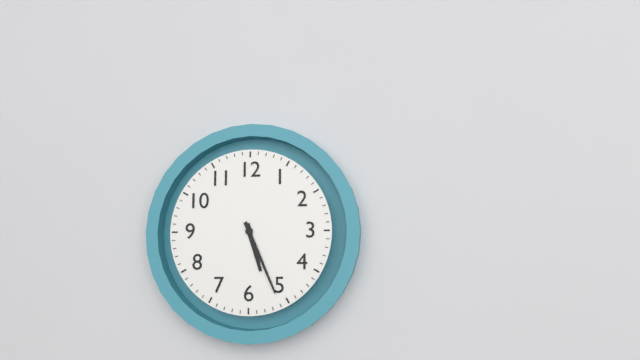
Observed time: **5:26**
